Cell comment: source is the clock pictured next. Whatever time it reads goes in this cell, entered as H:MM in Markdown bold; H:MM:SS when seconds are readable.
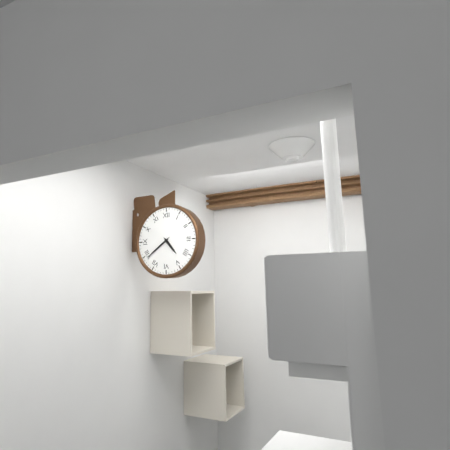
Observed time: **4:39**
